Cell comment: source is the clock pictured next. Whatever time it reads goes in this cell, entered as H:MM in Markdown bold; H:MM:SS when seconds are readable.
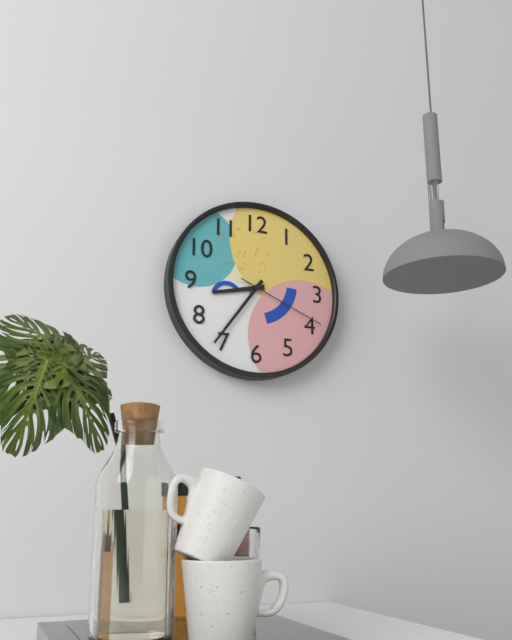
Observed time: **8:36:19**
